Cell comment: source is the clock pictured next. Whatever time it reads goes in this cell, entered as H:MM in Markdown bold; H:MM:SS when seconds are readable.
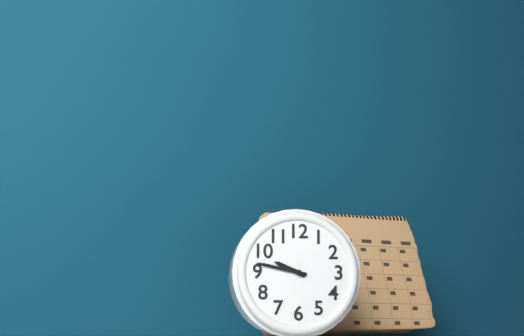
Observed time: **9:47**
